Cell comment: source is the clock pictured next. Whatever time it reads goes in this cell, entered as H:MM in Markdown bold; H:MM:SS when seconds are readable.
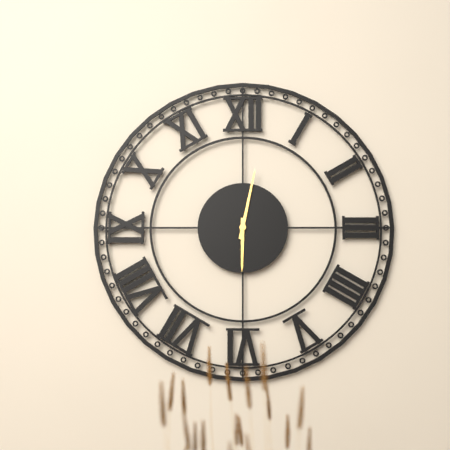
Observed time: **6:02**
